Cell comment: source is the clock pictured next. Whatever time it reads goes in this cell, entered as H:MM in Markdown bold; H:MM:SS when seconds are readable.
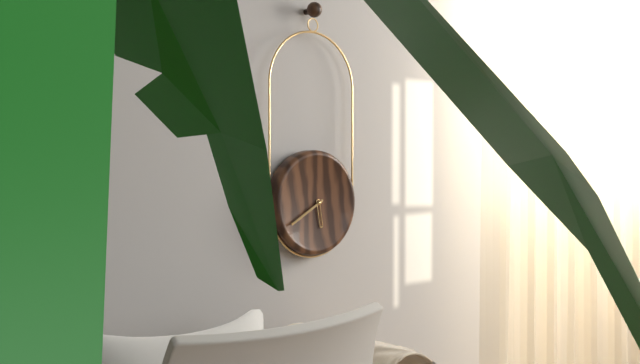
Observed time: **5:40**
